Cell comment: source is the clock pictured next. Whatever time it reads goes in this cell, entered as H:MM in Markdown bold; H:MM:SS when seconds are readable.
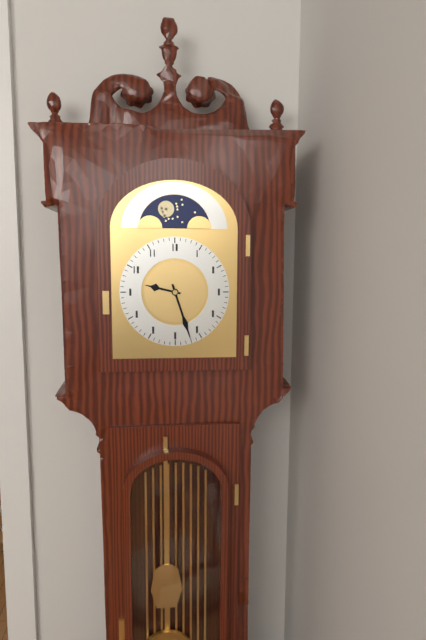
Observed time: **9:27**
